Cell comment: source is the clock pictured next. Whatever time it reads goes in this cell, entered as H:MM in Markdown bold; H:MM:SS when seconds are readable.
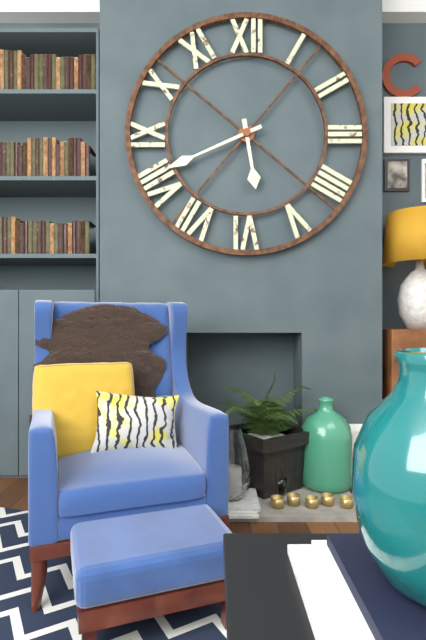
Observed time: **5:41**
